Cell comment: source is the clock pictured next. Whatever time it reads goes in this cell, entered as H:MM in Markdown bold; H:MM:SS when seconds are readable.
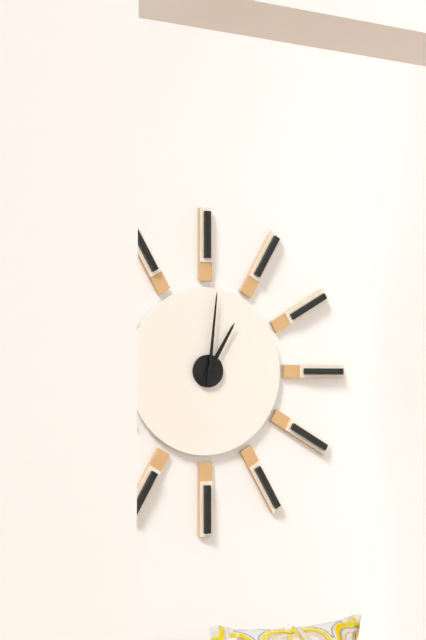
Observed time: **1:01**
